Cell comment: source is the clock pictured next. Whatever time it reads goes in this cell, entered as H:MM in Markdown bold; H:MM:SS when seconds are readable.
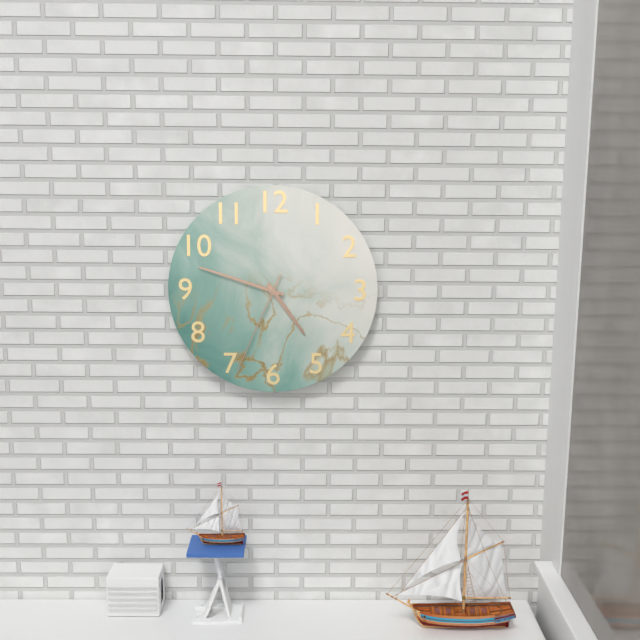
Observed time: **4:48:34**
